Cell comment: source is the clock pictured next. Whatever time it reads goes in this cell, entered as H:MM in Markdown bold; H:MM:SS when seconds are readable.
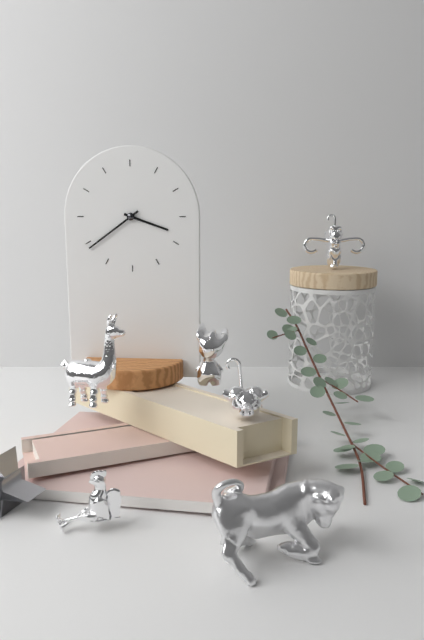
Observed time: **3:39**
